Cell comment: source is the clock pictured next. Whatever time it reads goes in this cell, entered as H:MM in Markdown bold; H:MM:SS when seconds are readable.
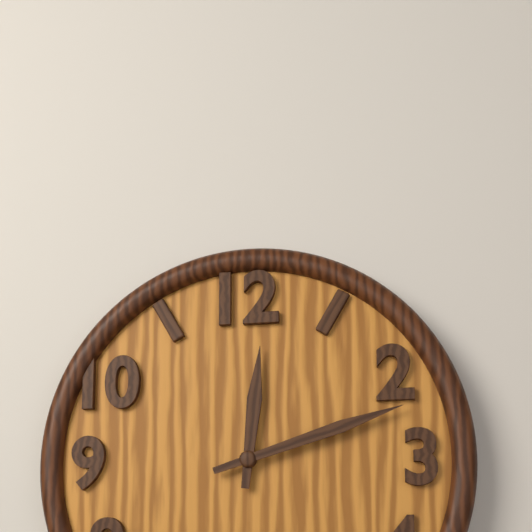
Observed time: **12:12**
